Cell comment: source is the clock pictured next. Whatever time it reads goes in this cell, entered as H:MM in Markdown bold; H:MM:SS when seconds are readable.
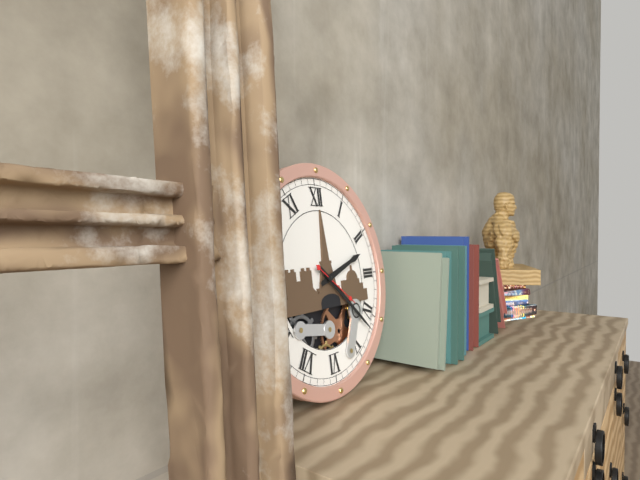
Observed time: **2:22:21**
